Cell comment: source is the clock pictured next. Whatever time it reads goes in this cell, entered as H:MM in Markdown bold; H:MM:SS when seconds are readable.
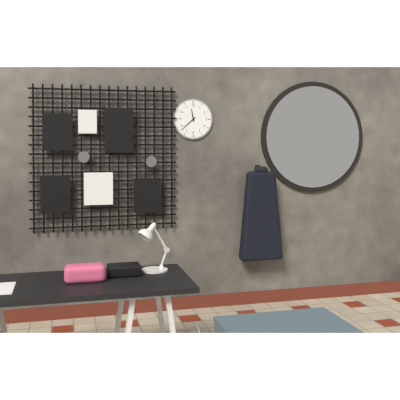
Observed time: **11:38**
